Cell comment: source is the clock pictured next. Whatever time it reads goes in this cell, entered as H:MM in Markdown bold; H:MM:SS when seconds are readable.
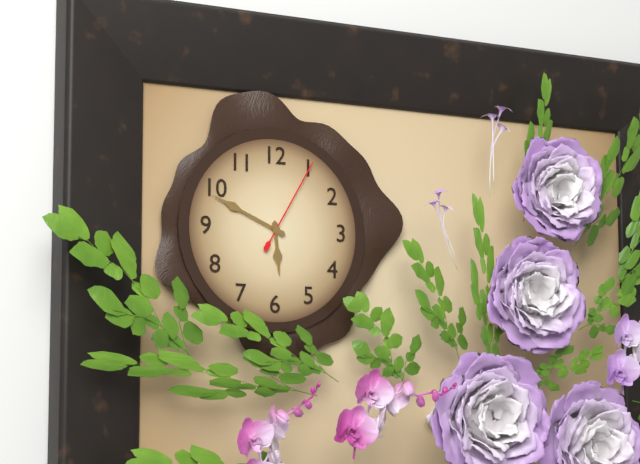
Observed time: **5:49:05**
